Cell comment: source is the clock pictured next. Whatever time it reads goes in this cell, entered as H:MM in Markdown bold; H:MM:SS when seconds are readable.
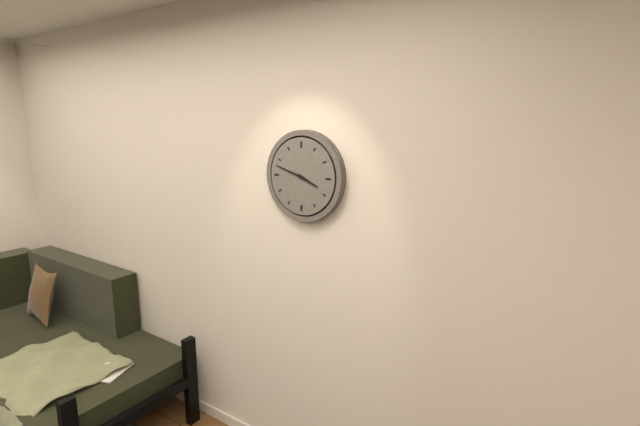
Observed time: **3:48**
